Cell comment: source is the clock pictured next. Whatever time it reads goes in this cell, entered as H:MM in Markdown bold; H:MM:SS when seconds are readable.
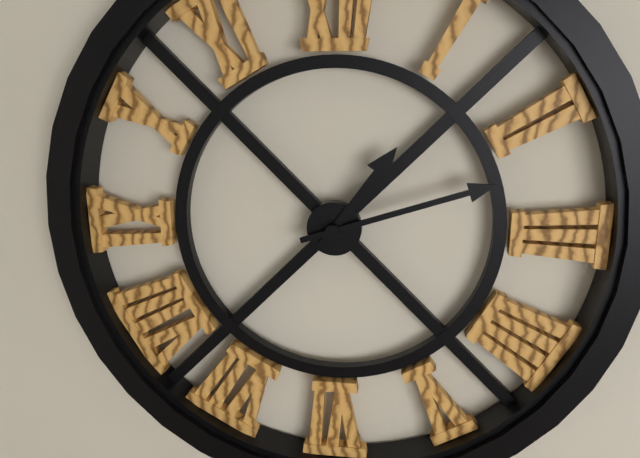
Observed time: **1:12**
